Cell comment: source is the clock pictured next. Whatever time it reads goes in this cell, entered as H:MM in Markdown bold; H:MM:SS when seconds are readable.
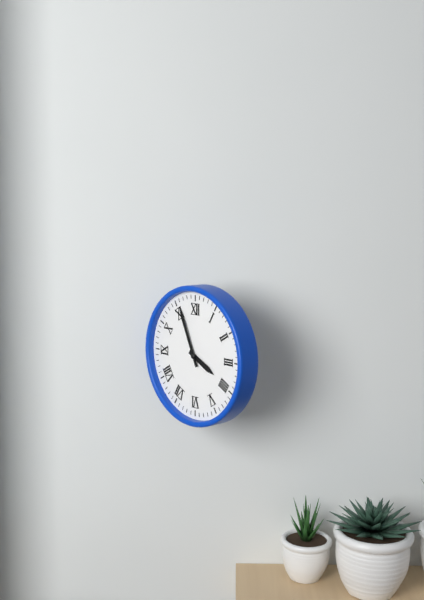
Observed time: **3:56**
